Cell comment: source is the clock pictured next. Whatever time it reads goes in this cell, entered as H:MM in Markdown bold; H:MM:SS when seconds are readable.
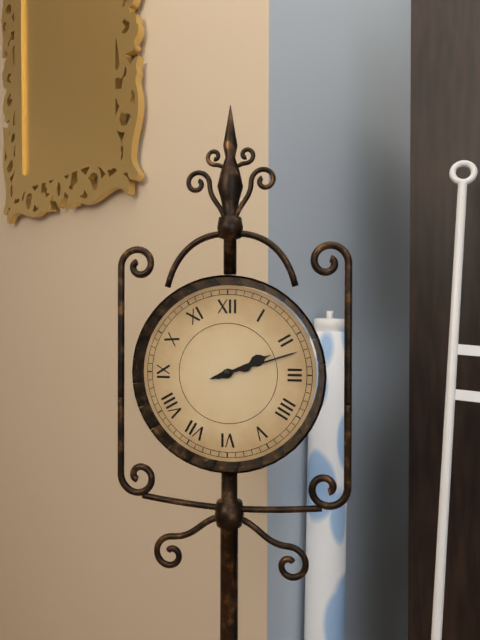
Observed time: **2:12**
